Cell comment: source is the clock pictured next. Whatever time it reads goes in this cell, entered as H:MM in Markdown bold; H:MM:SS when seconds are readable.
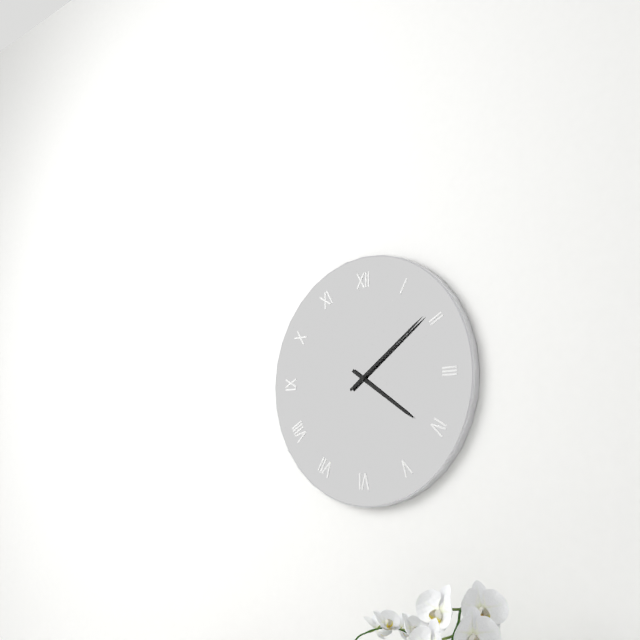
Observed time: **4:09**
